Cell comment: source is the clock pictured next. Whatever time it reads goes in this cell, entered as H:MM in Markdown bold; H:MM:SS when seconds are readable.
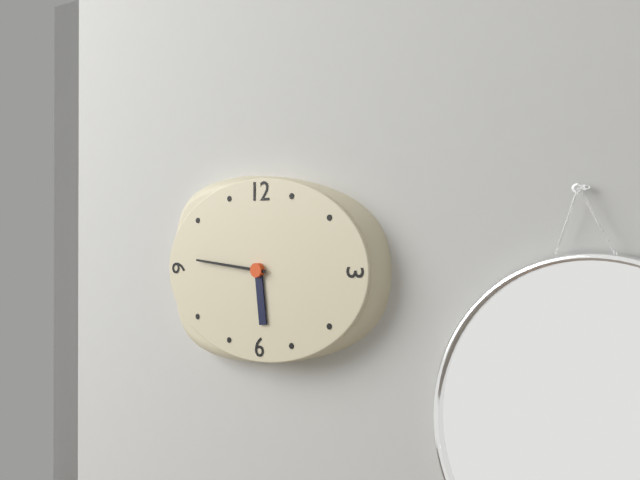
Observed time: **5:46**
